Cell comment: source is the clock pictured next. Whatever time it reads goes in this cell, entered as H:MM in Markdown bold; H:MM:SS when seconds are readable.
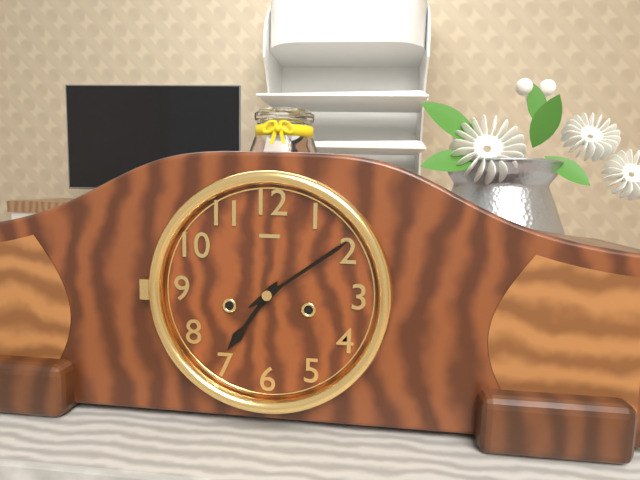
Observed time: **7:09**
